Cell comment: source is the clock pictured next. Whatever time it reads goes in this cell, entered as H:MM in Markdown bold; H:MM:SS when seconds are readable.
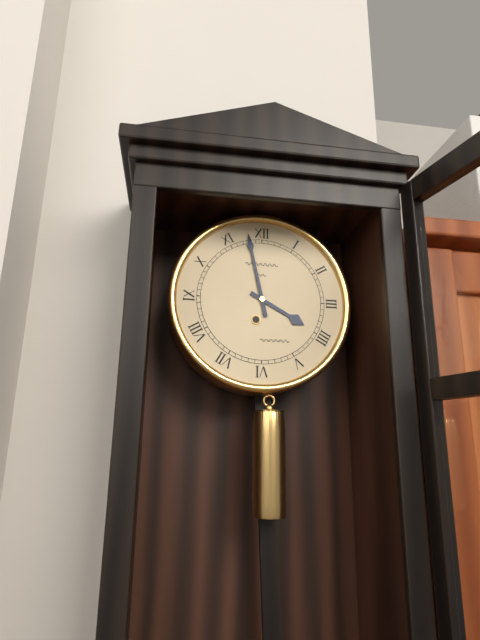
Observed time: **3:58**
